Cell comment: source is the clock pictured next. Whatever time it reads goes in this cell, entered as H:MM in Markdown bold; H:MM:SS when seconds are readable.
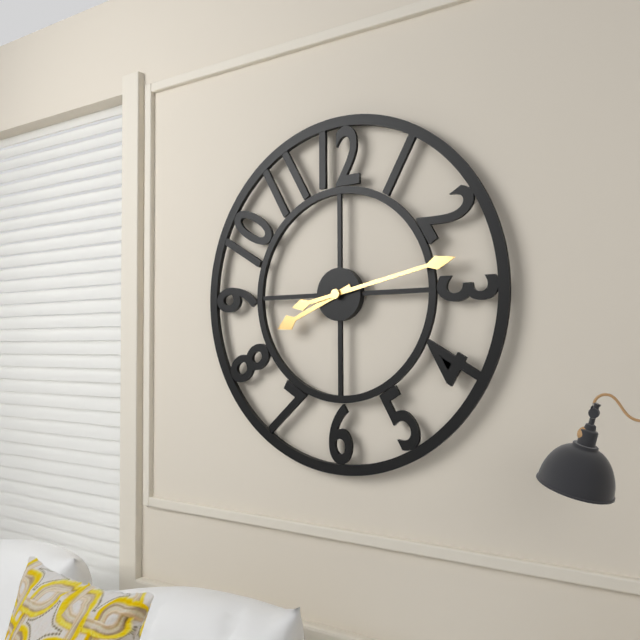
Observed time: **8:13**
